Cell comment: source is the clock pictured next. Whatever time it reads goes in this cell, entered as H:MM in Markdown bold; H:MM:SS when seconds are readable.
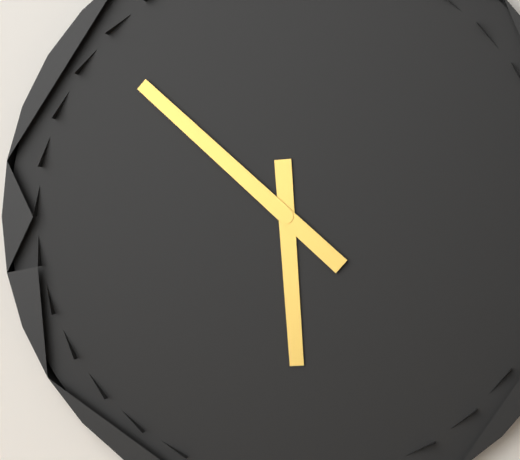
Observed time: **5:52**
